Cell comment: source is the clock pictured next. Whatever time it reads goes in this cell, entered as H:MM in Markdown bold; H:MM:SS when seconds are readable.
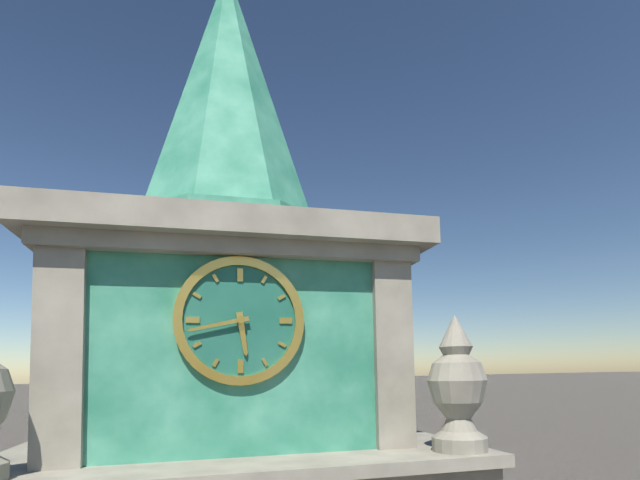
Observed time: **5:43**
